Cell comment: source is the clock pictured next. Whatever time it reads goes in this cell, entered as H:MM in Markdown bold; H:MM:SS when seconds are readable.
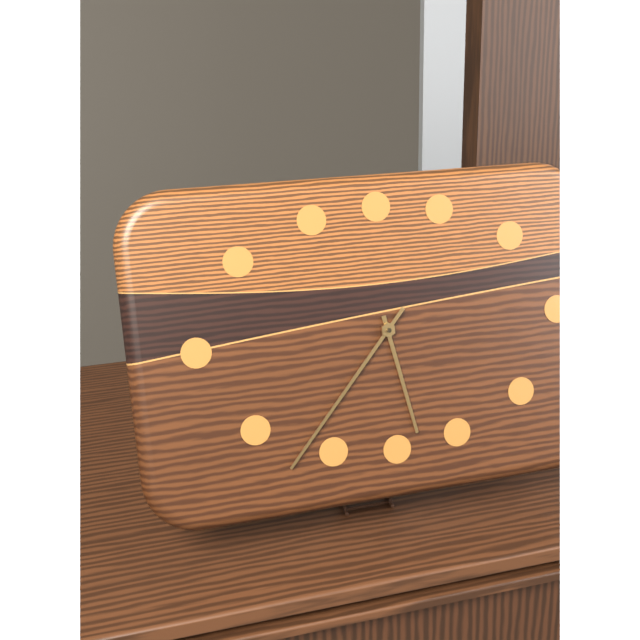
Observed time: **5:37**
